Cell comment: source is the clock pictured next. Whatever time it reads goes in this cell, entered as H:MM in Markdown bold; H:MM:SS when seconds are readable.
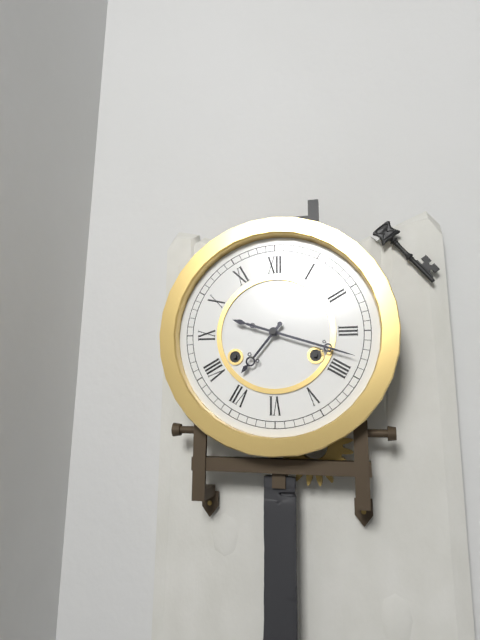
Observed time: **7:18**
